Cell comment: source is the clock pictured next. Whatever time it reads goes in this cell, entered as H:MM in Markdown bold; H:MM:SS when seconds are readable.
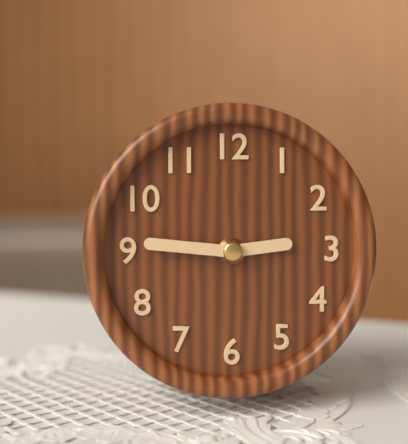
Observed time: **2:46**
